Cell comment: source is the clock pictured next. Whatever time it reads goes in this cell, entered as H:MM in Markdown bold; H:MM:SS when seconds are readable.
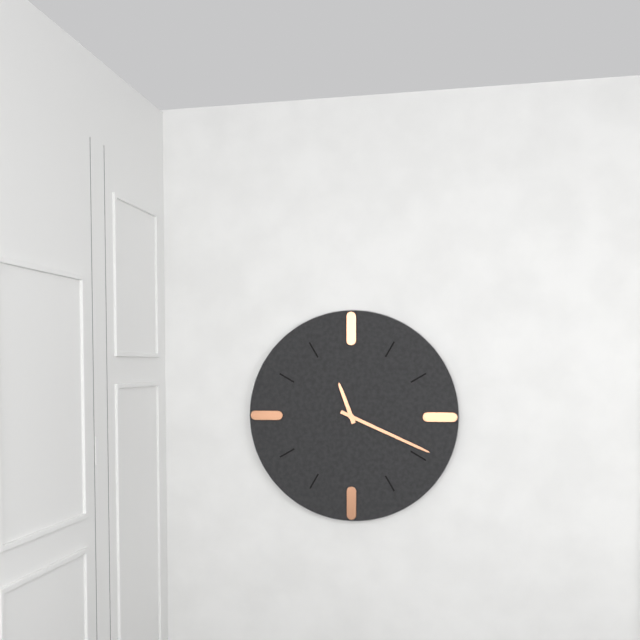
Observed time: **11:19**
